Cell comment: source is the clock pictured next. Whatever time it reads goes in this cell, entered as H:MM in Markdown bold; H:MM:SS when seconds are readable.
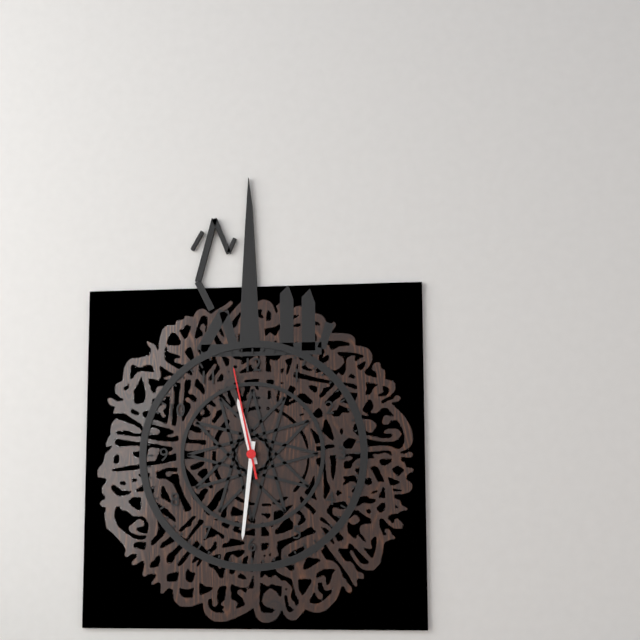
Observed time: **11:31:58**
